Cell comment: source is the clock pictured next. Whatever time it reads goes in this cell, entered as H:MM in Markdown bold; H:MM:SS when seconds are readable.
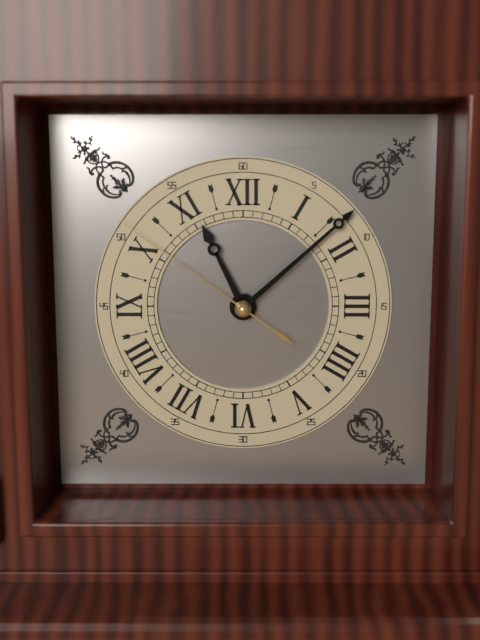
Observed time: **11:08:51**
